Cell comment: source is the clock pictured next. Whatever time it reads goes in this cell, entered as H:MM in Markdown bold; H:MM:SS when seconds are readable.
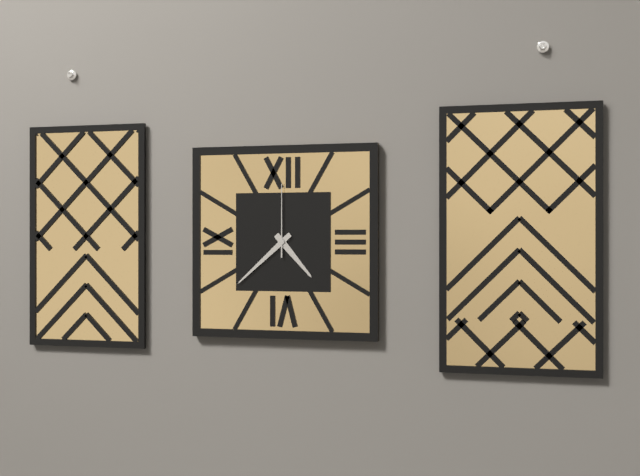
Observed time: **4:38:00**
